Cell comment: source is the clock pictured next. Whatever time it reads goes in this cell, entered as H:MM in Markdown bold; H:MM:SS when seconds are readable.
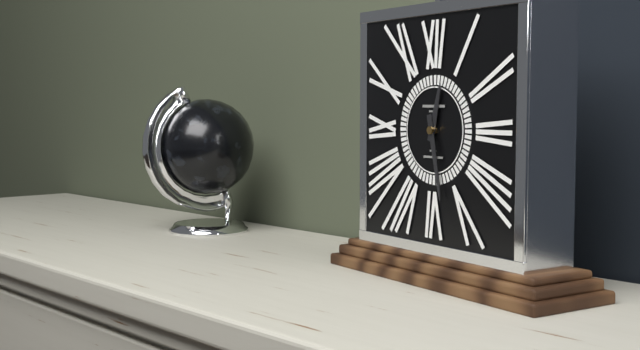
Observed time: **12:28**
